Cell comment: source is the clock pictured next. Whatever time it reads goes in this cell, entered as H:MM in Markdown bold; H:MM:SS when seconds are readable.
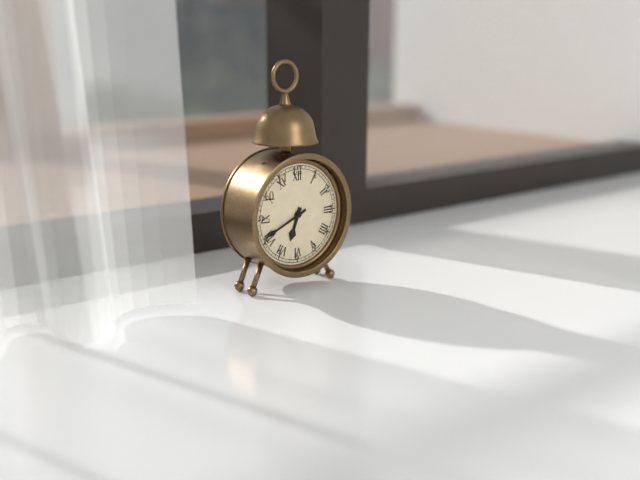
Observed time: **6:41**
